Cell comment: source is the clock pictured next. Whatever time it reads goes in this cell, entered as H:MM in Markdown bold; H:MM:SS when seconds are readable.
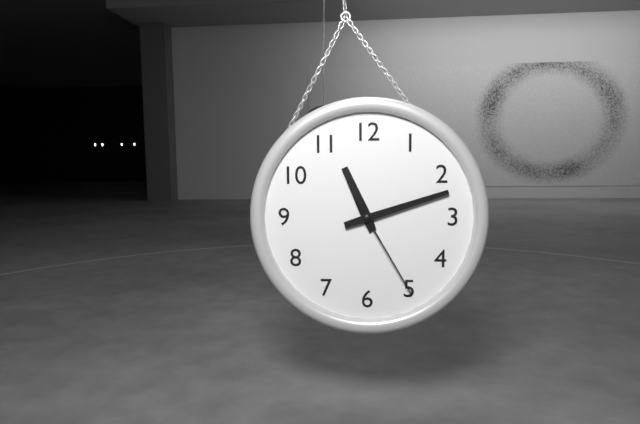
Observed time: **11:12:25**
